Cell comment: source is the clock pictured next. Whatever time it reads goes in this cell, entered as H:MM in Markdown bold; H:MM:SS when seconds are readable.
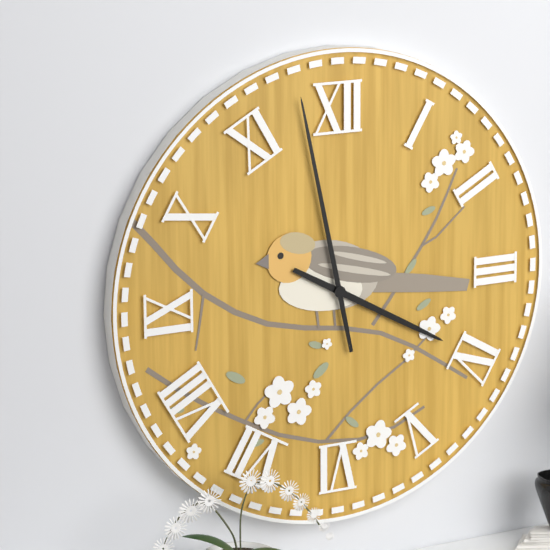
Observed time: **3:58**
